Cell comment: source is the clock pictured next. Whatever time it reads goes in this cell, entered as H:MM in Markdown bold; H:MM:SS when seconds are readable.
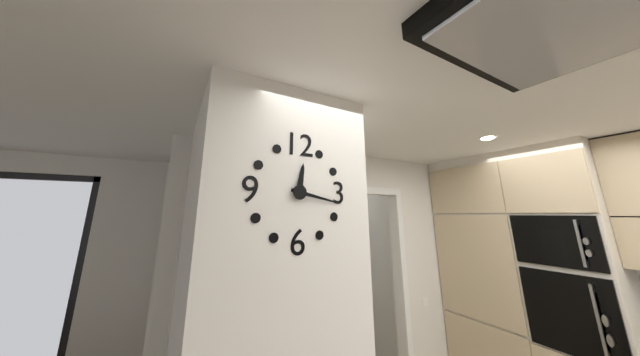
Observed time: **12:17**
